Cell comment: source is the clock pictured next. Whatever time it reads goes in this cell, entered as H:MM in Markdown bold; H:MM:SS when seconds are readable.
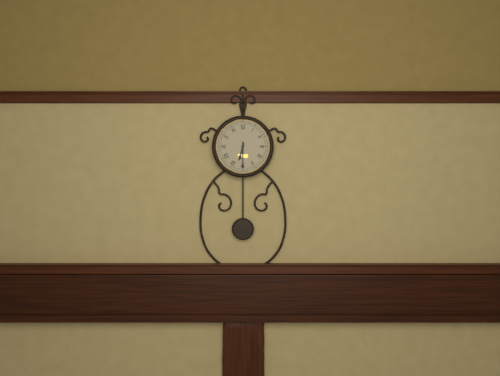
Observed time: **6:30**
